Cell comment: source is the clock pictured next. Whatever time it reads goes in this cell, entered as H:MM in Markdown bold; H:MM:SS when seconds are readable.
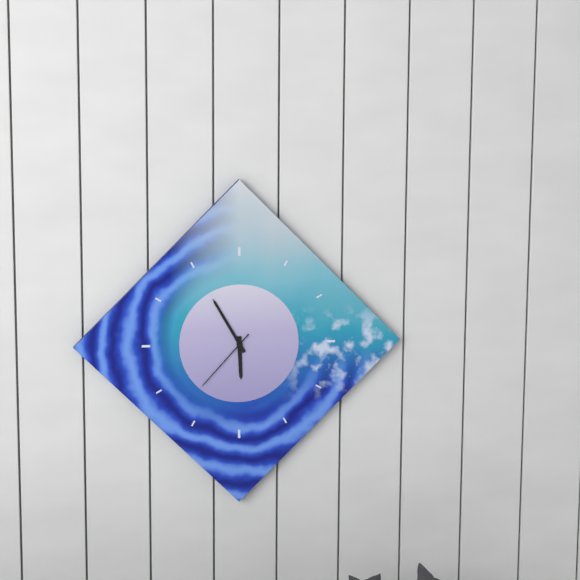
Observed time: **5:55:37**
